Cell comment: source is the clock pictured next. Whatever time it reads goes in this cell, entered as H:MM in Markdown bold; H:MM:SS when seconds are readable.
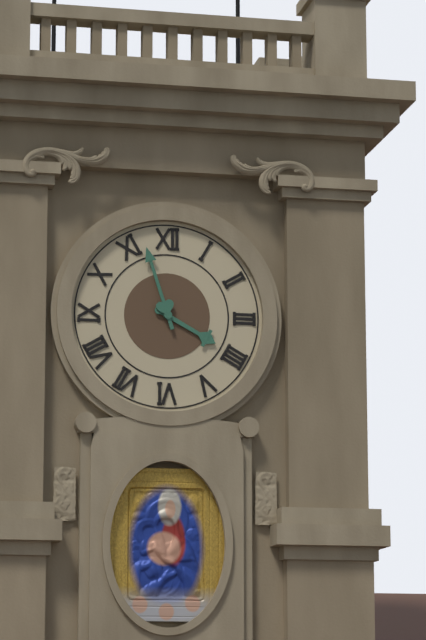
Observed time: **3:57**
